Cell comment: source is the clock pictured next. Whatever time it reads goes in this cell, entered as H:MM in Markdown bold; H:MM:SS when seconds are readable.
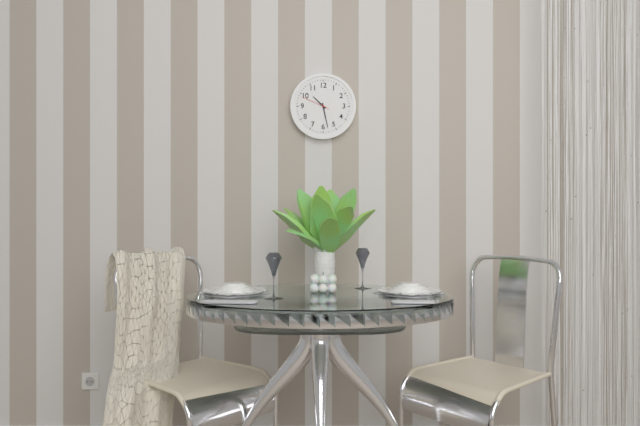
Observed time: **10:28**
